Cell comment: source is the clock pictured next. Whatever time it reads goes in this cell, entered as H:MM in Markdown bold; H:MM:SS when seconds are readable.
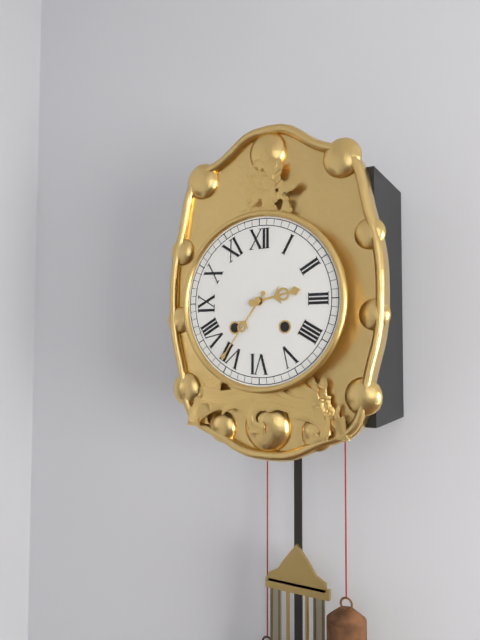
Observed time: **2:36**
